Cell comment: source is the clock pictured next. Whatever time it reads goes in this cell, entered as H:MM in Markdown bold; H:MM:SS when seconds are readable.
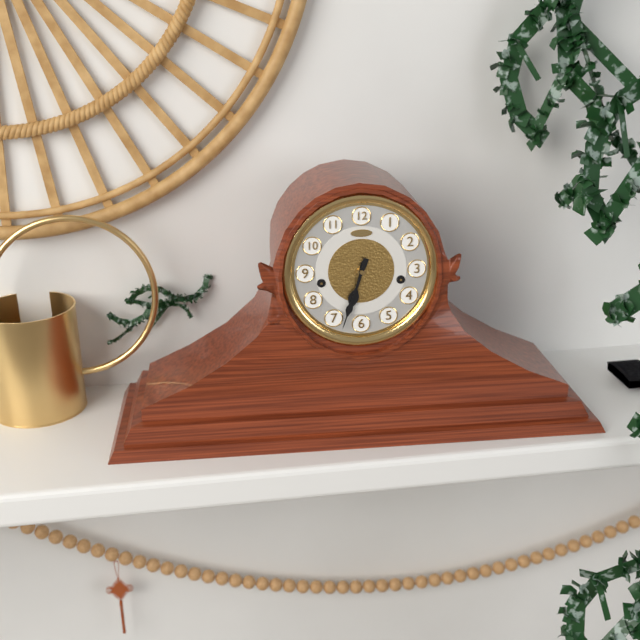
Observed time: **6:33**
